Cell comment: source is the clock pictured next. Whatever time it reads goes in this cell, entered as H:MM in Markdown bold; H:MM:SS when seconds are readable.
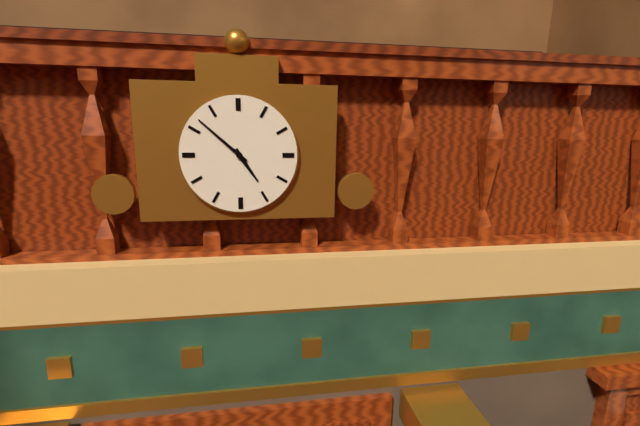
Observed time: **4:52**
